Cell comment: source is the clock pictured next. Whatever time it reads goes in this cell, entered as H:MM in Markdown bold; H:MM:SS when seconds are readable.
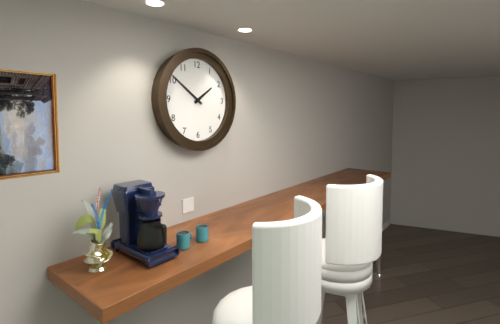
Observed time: **1:51**
